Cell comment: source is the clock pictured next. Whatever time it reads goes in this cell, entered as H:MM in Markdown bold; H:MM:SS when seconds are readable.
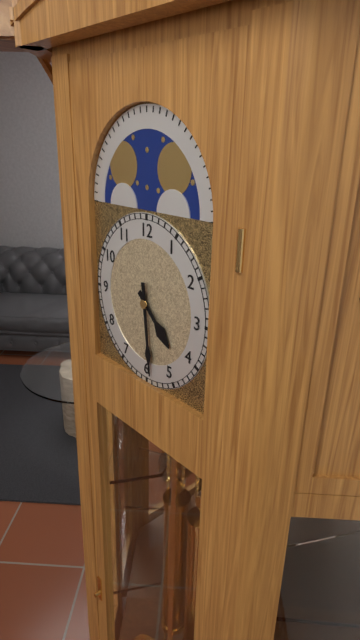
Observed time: **4:29**
